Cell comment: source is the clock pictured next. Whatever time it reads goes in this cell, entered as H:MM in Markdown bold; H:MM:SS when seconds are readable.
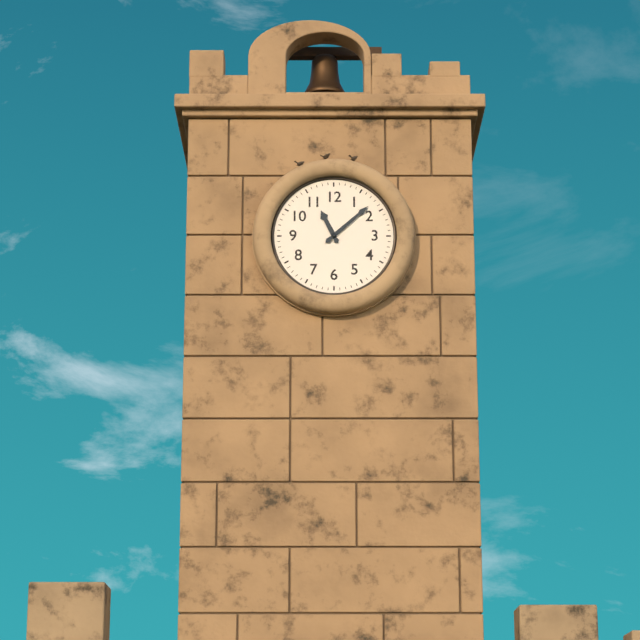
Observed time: **11:08**
